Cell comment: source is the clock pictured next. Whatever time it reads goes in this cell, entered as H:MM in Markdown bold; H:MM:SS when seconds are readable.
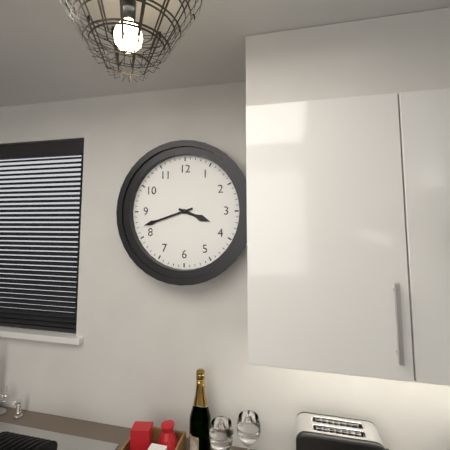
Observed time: **3:42**
